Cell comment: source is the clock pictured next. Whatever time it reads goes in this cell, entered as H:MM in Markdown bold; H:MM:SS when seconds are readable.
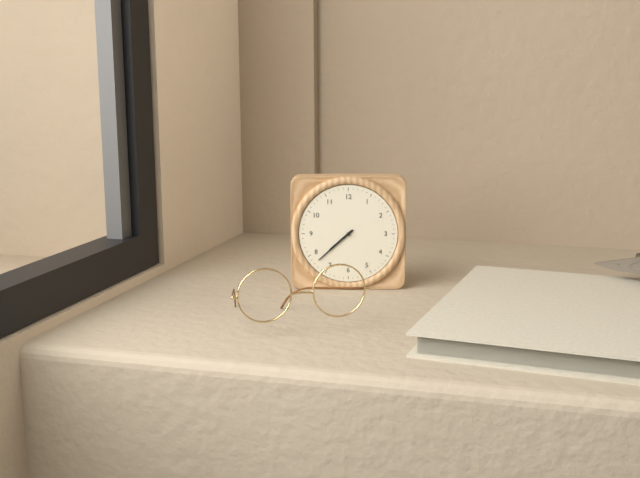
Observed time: **7:38**
